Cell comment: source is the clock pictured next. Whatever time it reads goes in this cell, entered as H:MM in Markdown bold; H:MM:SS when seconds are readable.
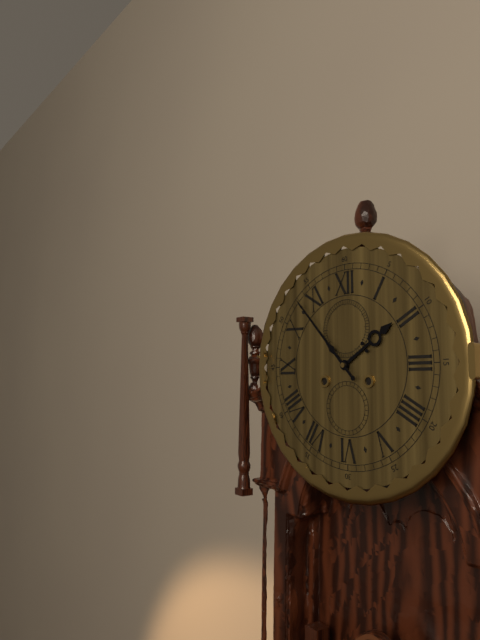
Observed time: **1:53**
